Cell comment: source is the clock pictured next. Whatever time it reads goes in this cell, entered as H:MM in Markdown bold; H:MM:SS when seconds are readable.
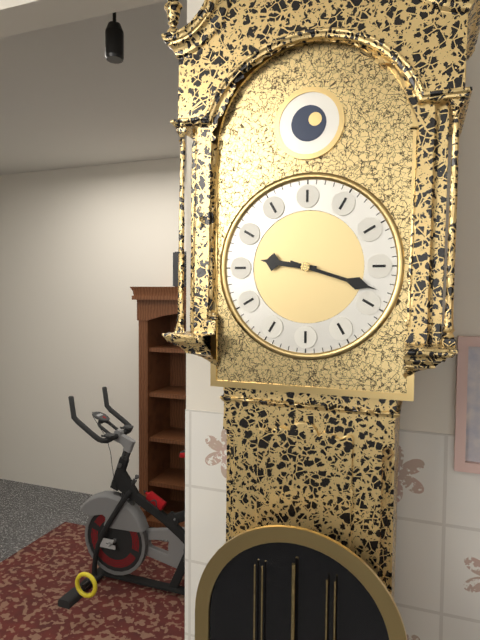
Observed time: **9:18**
